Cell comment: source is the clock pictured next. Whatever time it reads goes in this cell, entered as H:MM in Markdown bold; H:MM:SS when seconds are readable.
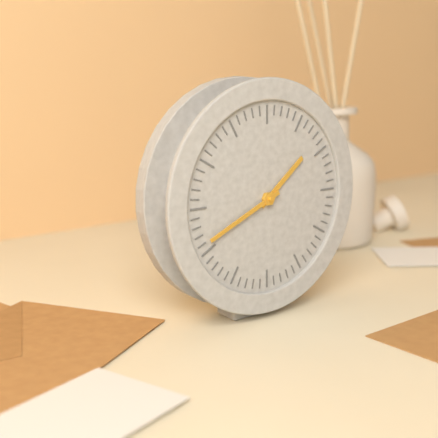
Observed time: **1:41**
